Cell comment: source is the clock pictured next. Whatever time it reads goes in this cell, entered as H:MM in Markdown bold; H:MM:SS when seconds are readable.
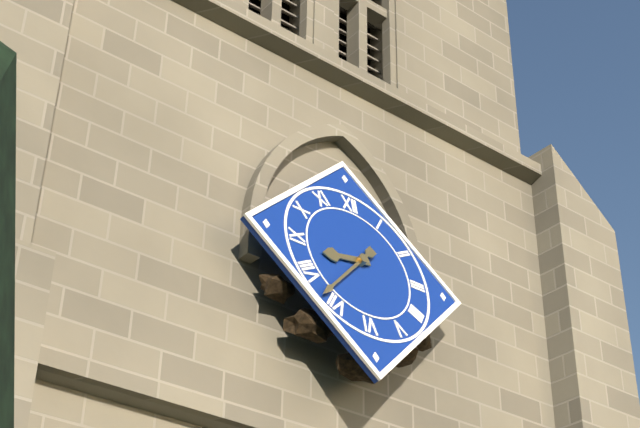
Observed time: **8:37**
